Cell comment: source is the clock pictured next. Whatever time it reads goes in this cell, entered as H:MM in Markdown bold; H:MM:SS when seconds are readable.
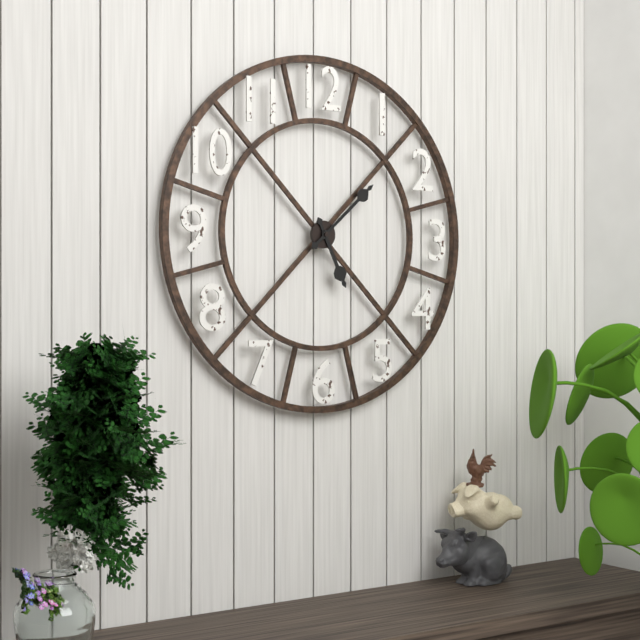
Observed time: **5:08**
